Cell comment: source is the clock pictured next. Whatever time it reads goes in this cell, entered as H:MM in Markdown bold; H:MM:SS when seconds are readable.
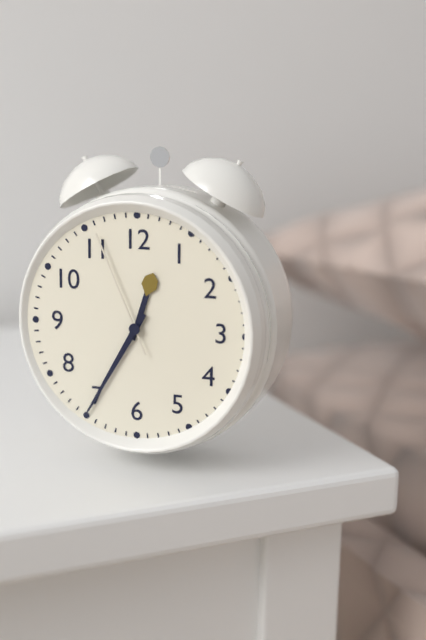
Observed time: **12:35:56**
